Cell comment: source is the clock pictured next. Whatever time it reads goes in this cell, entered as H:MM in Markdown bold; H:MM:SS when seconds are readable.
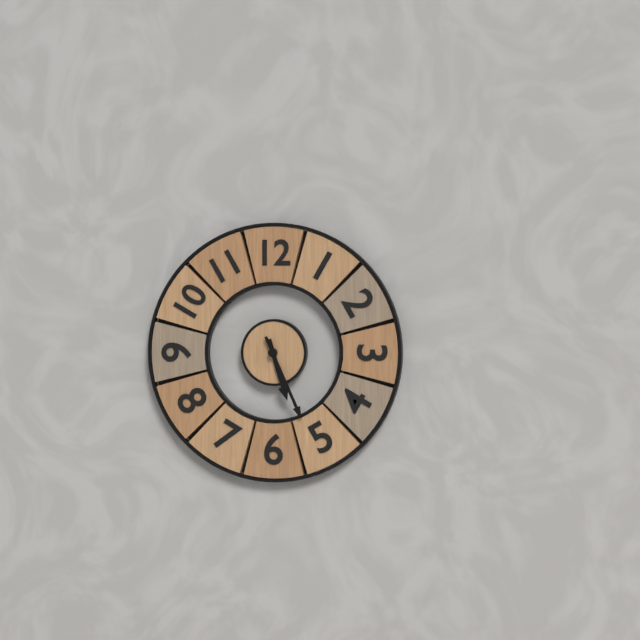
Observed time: **5:26**
